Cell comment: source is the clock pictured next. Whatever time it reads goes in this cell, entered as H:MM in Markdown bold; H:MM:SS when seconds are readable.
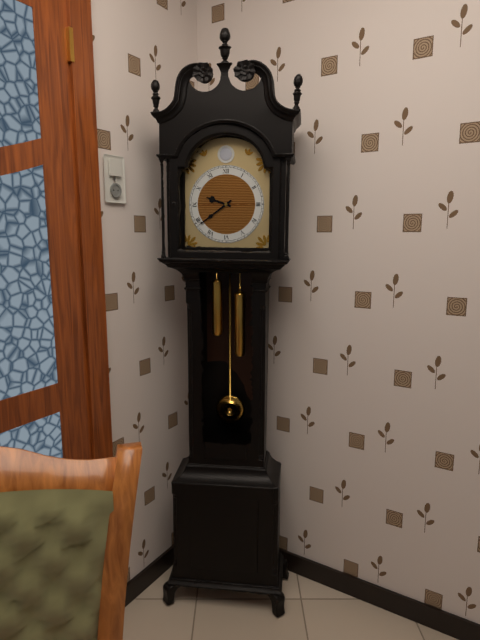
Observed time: **9:39**
